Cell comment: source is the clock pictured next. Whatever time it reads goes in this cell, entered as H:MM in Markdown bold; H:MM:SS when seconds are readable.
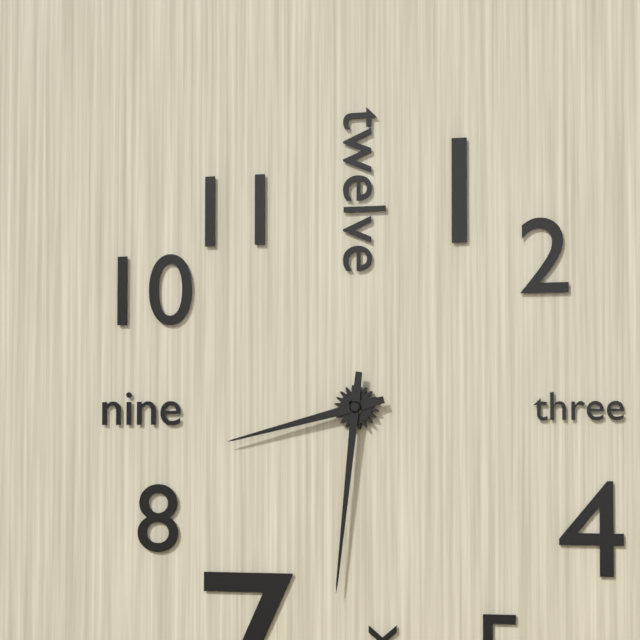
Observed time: **8:31**
